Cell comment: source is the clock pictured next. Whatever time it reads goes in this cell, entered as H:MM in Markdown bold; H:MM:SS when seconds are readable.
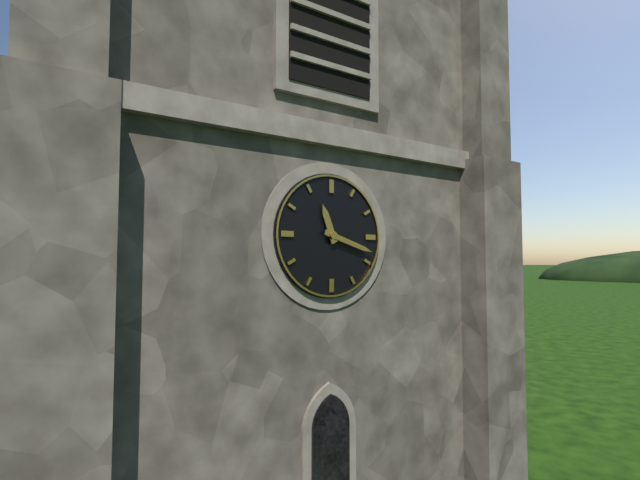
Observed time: **11:18**
